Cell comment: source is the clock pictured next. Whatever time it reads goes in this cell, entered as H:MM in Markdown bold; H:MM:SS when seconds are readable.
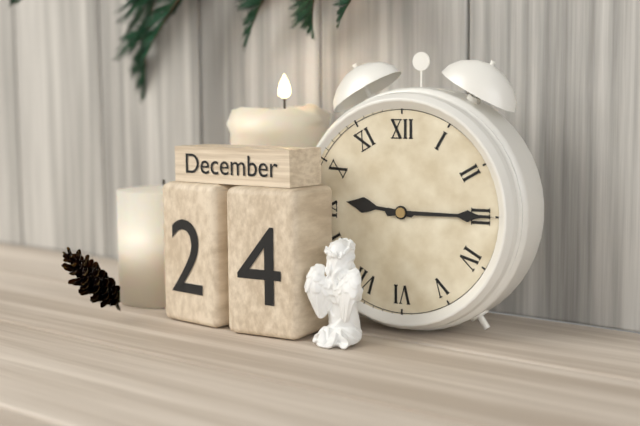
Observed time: **9:15**
